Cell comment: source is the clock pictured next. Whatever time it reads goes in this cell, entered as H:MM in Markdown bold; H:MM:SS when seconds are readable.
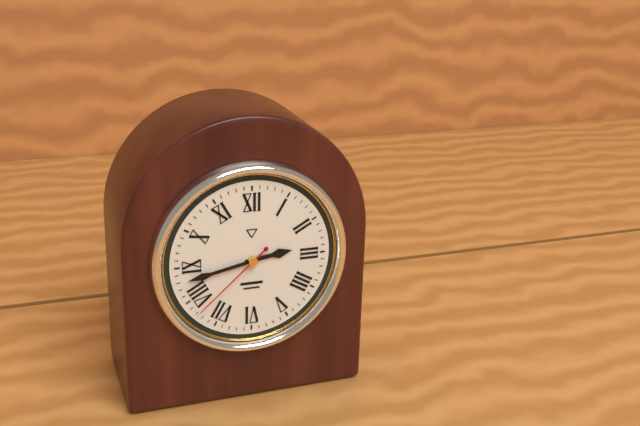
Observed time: **2:43:38**
